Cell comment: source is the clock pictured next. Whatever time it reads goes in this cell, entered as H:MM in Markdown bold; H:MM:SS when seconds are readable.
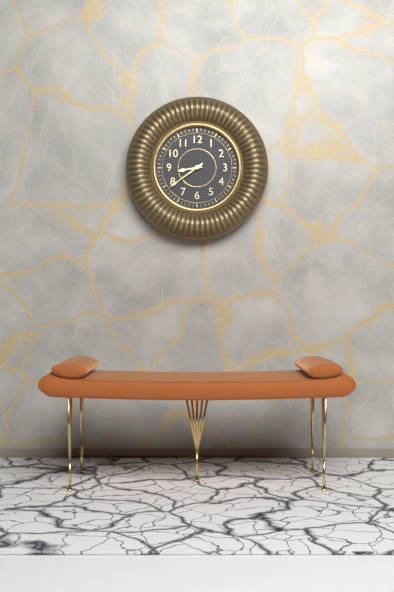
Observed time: **8:39**
